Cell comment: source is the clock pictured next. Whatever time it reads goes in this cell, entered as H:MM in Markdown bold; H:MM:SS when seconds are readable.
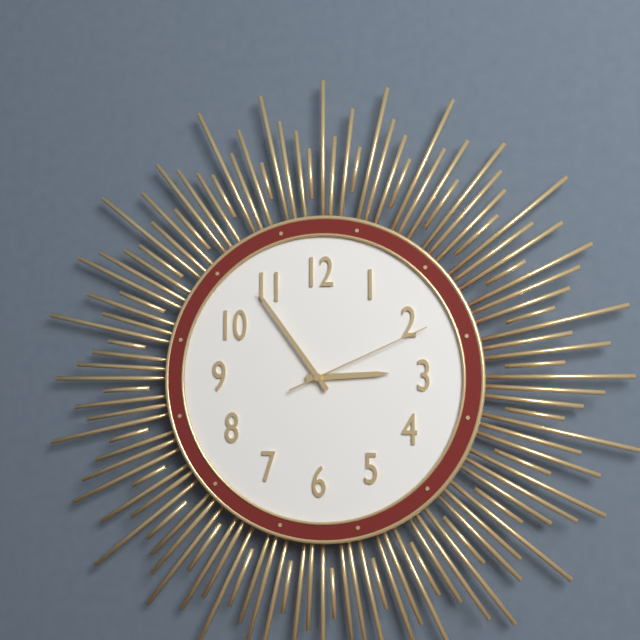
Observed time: **2:54:11**
